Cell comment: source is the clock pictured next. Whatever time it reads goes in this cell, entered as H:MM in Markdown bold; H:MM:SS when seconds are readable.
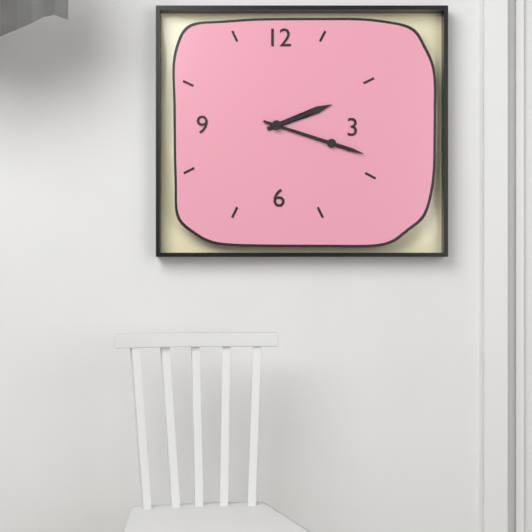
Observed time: **2:18**
